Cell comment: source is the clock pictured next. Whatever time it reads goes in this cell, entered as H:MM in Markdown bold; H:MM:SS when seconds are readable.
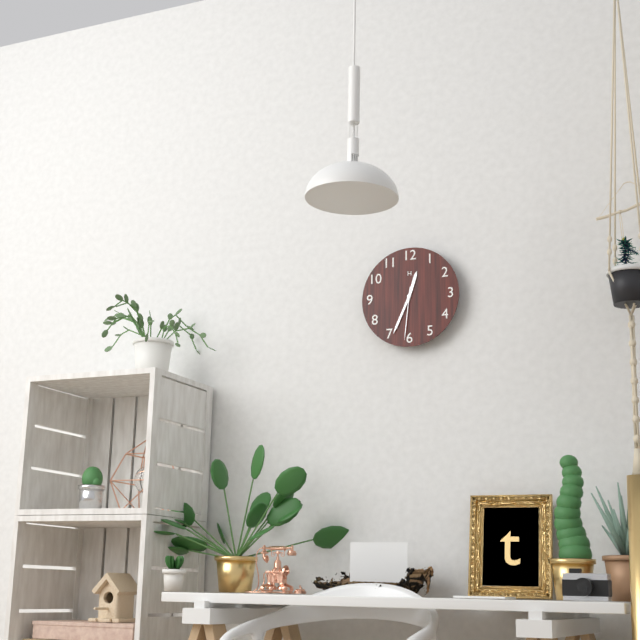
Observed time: **12:34:31**
